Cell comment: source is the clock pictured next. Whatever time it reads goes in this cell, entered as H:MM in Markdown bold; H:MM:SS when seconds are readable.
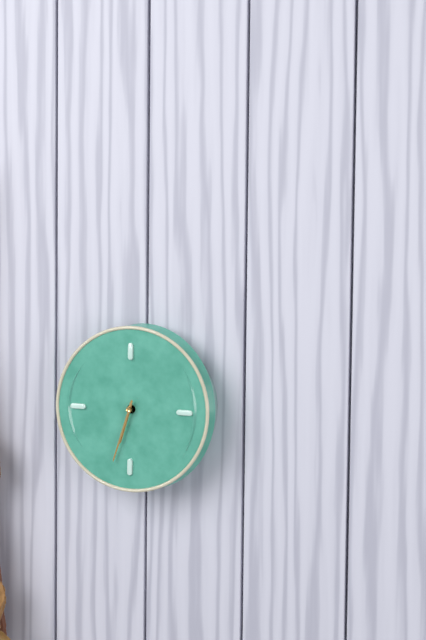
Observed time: **6:33**
